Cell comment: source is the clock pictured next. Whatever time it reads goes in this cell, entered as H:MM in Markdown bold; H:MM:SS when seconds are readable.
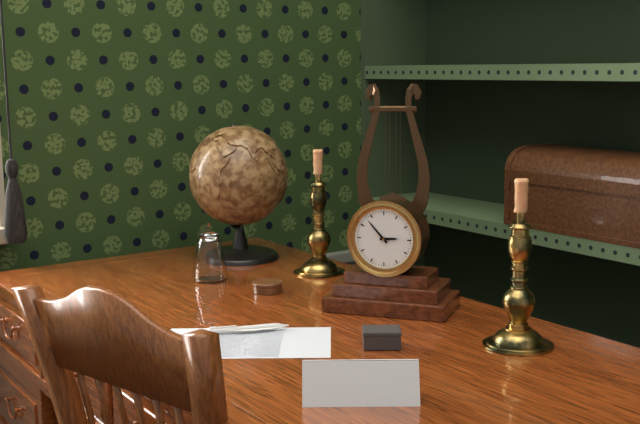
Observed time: **2:53**
